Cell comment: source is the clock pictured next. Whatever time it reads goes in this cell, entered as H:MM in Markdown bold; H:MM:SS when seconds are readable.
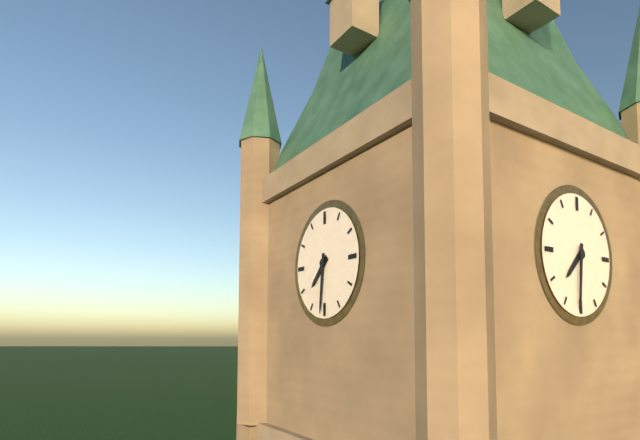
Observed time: **7:31**
